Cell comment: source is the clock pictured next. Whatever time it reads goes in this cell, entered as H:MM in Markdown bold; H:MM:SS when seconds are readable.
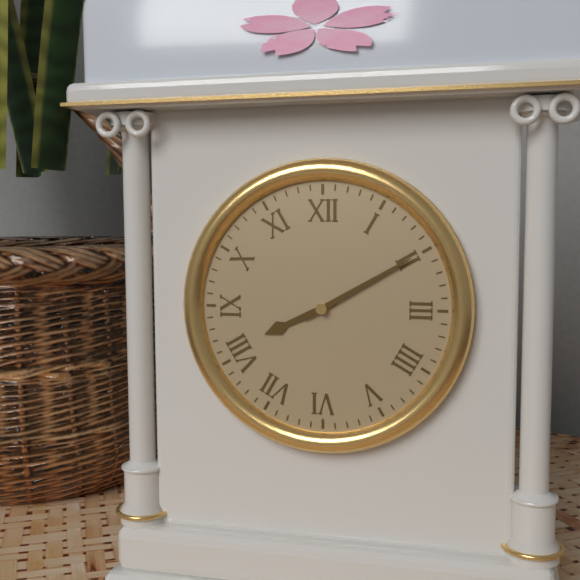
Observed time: **8:10**
